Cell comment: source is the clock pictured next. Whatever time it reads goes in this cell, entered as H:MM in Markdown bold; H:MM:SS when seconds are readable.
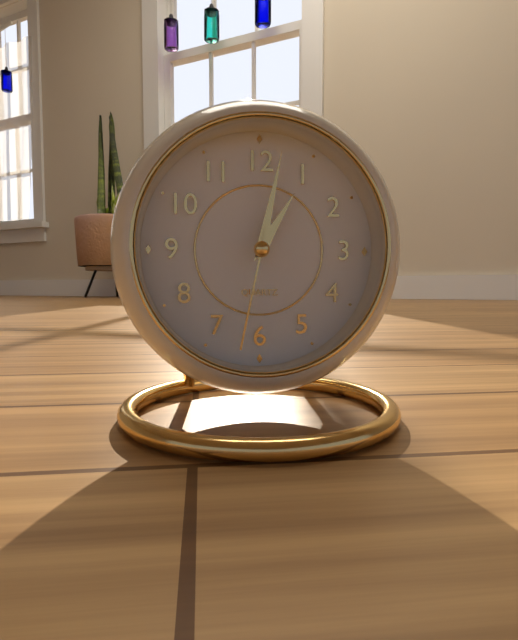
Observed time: **1:02:32**
